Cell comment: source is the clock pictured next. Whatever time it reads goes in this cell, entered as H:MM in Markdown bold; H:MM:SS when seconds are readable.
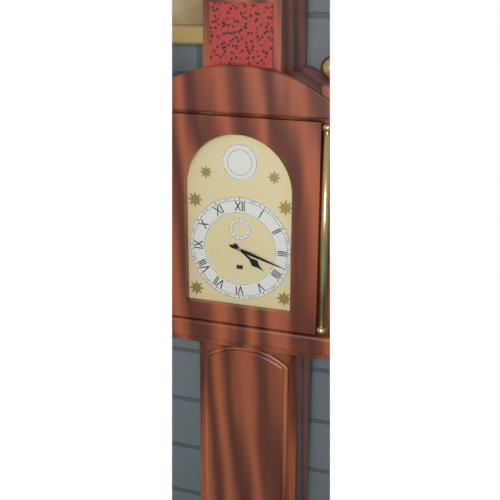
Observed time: **4:18**
